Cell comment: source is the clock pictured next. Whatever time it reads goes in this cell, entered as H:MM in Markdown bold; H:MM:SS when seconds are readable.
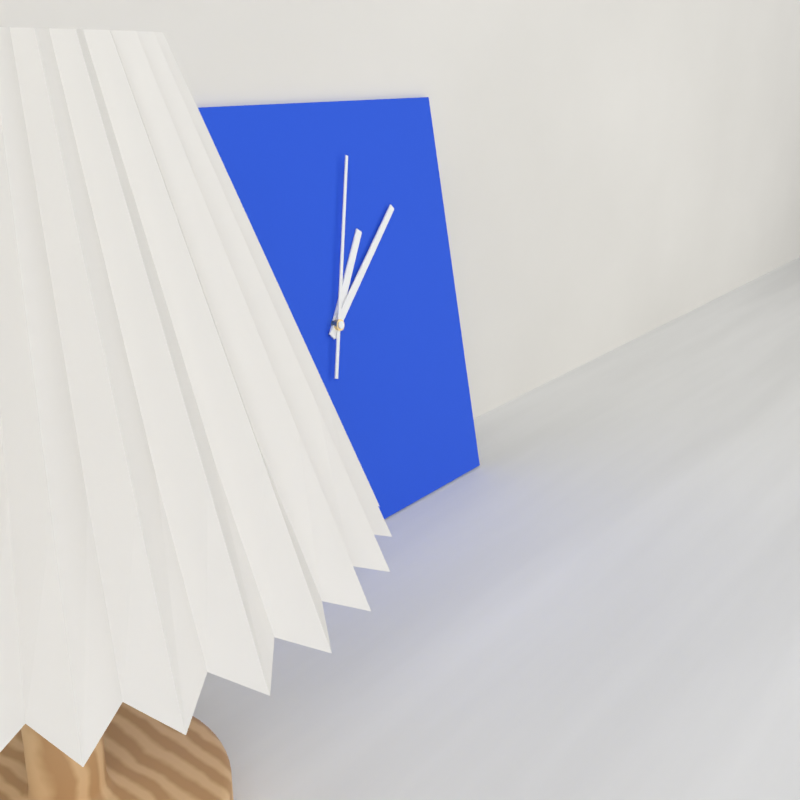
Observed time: **1:08:03**
